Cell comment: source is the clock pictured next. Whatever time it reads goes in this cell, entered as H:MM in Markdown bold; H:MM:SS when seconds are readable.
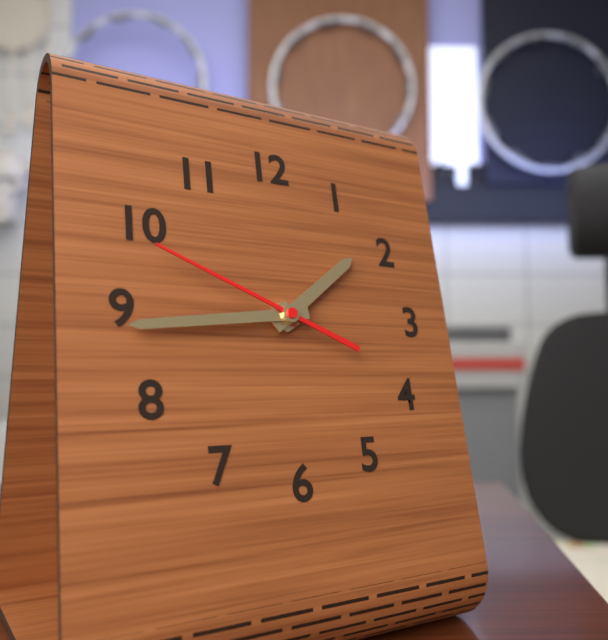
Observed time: **1:44:49**
